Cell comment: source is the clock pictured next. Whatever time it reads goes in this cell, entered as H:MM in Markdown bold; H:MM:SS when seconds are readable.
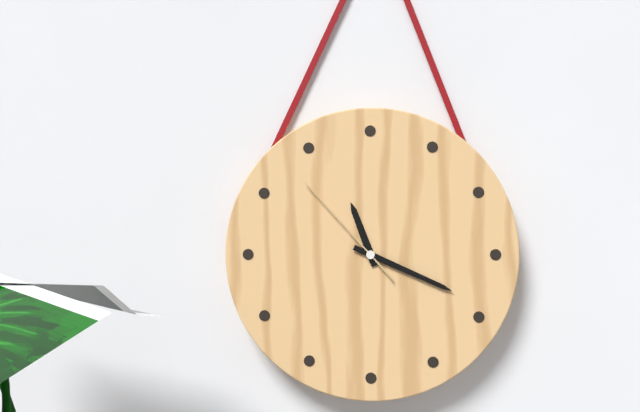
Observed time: **11:19:53**
